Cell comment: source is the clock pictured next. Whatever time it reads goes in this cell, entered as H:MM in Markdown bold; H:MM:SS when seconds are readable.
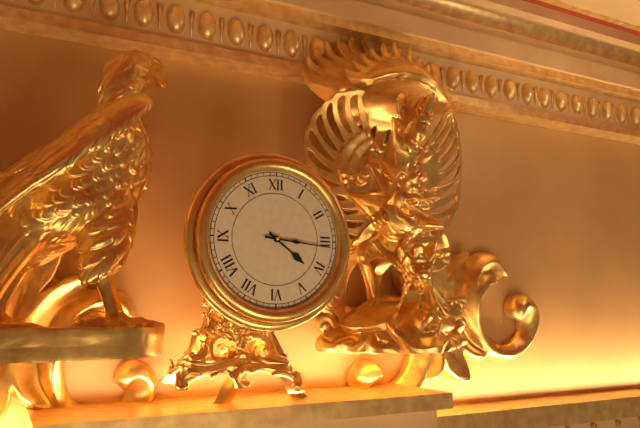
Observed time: **4:16**
